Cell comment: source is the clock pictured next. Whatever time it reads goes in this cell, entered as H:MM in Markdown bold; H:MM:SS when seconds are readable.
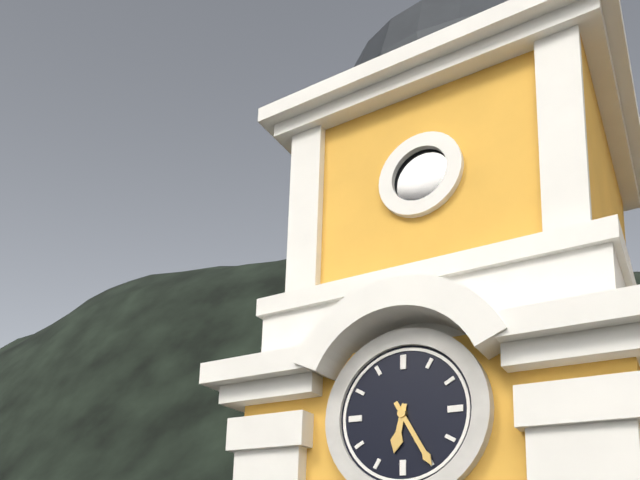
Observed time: **6:25**
